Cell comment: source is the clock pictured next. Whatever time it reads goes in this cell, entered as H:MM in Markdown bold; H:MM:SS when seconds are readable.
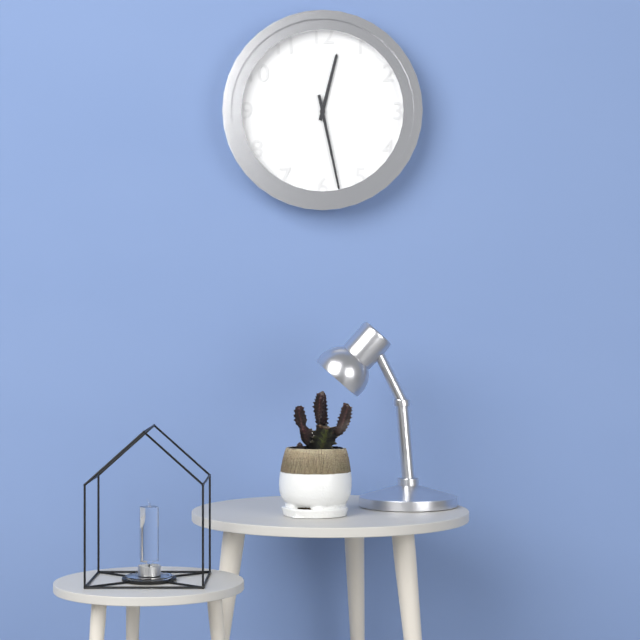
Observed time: **12:28**
